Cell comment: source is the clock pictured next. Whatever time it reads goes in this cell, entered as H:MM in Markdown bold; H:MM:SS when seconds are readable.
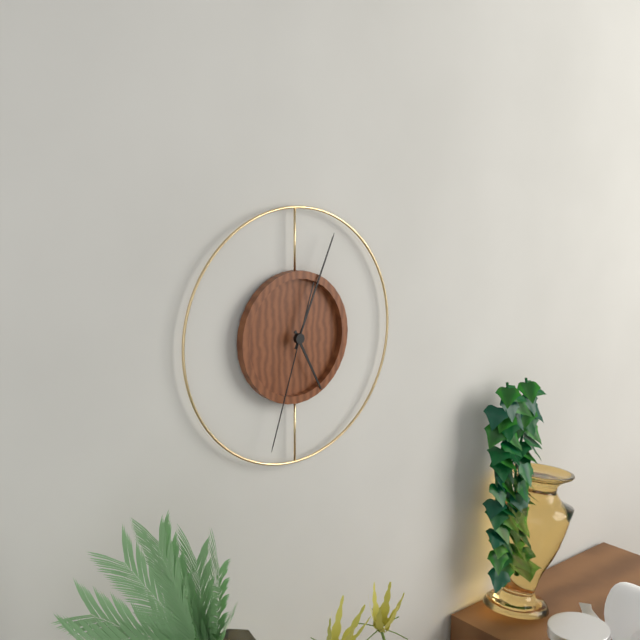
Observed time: **5:04:33**
